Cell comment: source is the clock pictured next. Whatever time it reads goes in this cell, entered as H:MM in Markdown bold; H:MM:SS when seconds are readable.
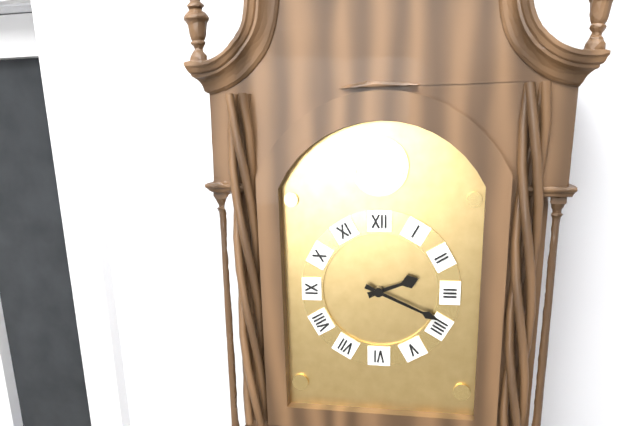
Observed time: **2:19**
